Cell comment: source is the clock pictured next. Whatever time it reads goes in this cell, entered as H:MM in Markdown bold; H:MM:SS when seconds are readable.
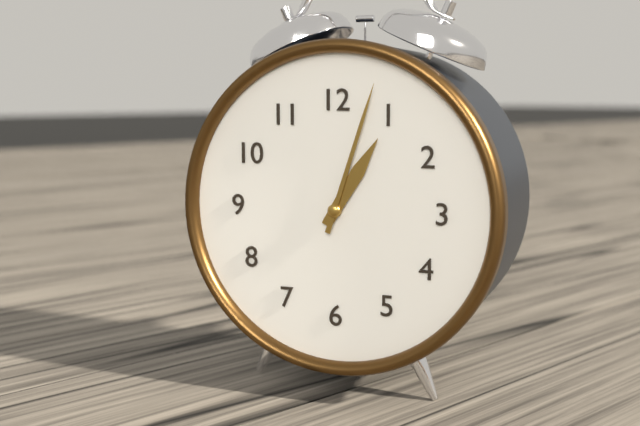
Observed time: **1:03**
